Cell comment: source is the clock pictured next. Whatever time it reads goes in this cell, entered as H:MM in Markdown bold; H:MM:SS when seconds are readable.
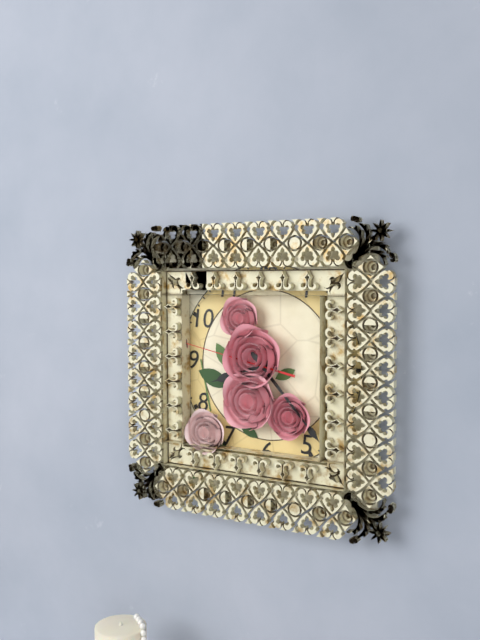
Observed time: **8:23:47**
